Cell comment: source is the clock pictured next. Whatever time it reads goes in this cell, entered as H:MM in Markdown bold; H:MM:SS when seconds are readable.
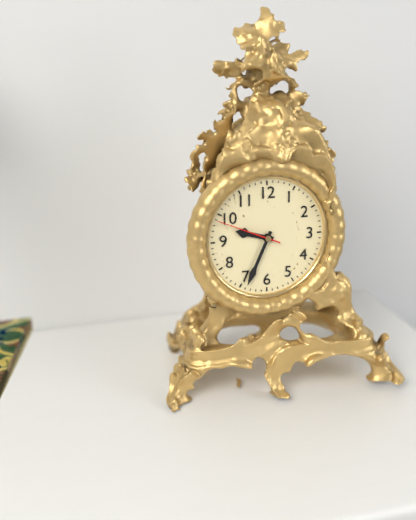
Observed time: **9:34:49**
